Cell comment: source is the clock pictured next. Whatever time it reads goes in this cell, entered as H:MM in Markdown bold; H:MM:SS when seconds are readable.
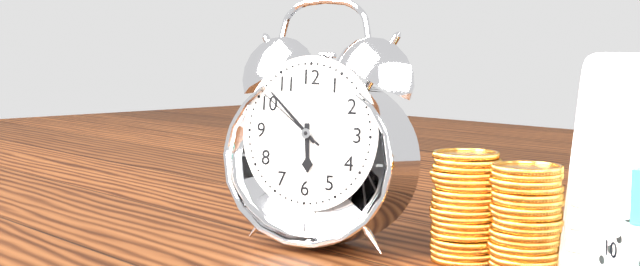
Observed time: **5:52:51**
